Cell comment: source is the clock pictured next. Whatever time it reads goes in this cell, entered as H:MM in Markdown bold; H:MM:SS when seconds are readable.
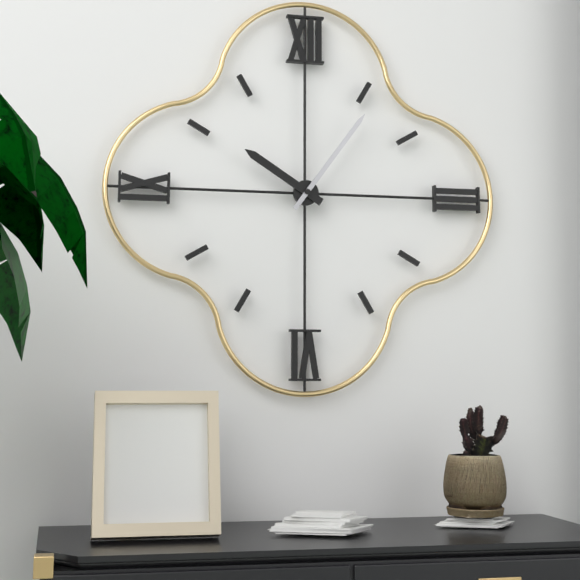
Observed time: **10:06**
